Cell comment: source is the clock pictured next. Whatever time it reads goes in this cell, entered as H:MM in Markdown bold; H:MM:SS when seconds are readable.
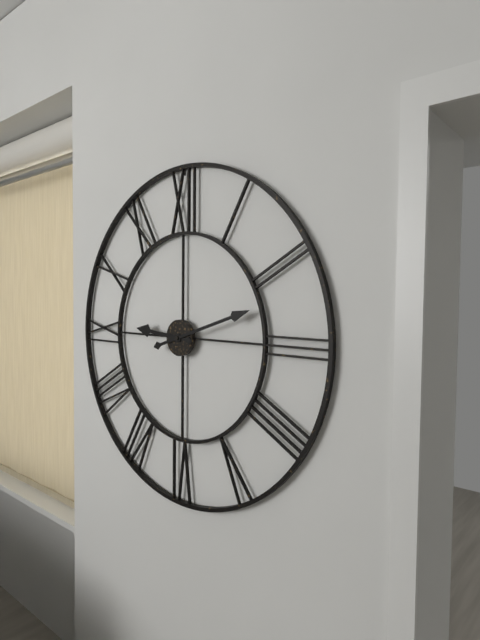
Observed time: **9:12**
